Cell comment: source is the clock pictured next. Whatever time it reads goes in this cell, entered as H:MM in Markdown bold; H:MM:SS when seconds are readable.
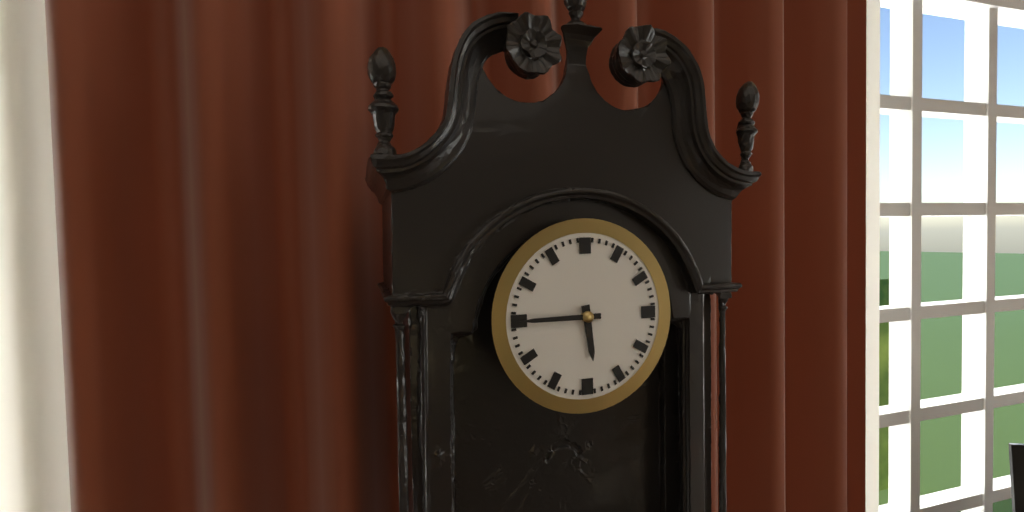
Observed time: **5:45**
